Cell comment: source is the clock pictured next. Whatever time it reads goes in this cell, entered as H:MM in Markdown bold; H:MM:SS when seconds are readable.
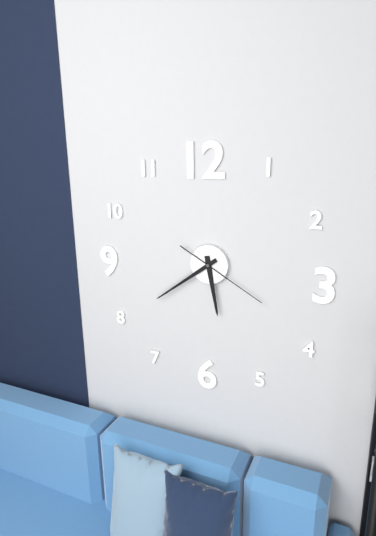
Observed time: **5:39:20**
